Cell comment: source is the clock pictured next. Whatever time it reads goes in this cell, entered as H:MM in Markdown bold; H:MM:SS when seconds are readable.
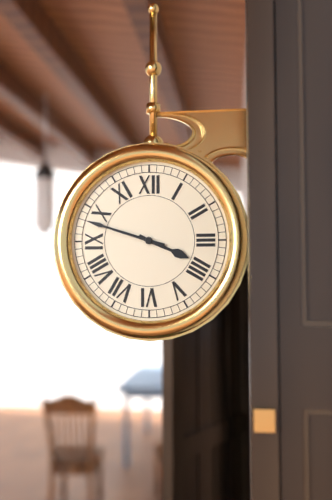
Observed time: **3:48**
